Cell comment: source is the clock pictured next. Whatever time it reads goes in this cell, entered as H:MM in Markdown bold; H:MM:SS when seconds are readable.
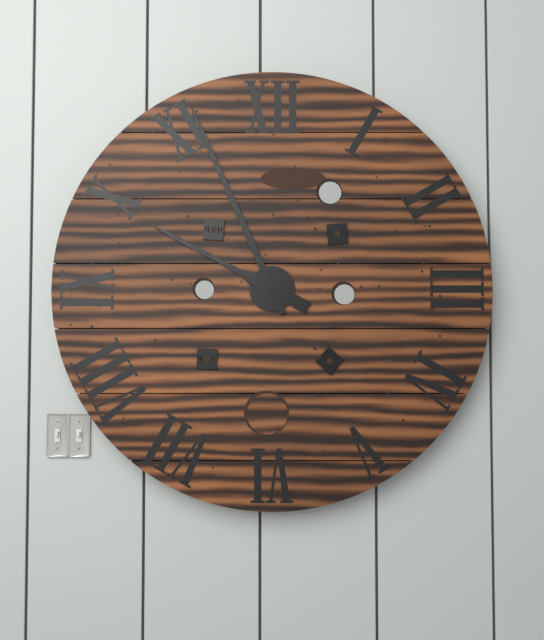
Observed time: **9:56**
